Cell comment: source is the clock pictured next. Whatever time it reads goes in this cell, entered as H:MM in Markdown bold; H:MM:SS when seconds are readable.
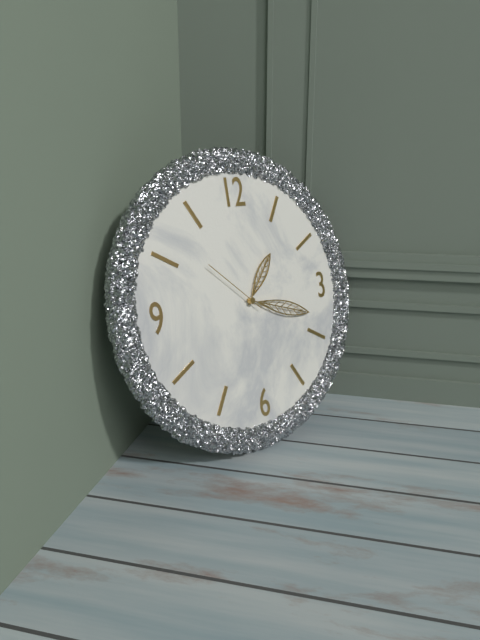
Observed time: **1:18:52**
